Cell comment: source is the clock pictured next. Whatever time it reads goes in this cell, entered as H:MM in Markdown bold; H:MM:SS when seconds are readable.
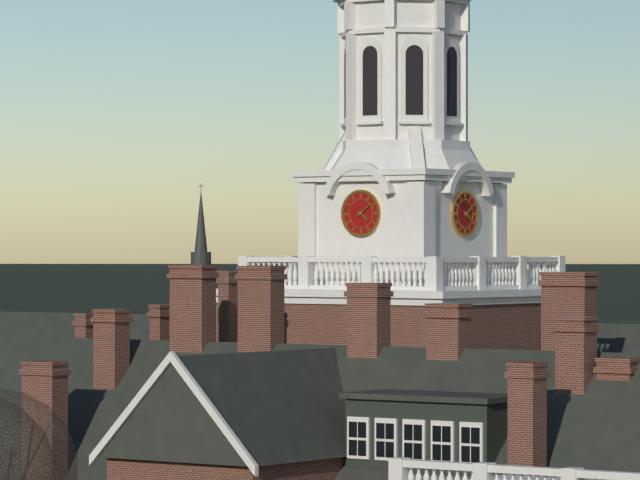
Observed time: **4:09**
